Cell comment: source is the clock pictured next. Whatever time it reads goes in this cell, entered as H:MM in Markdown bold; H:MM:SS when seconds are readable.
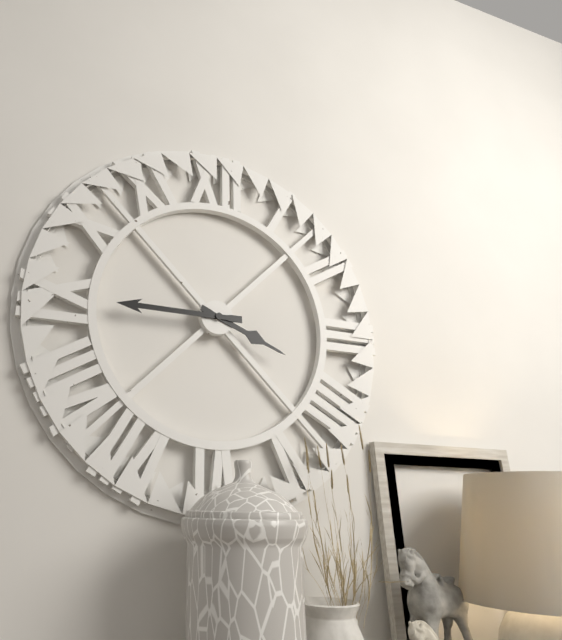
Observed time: **3:45**
